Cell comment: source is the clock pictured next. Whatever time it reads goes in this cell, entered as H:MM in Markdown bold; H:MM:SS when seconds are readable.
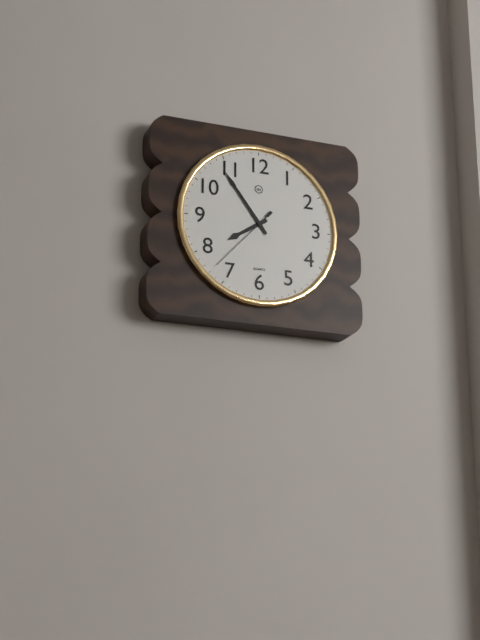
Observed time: **7:54:37**
